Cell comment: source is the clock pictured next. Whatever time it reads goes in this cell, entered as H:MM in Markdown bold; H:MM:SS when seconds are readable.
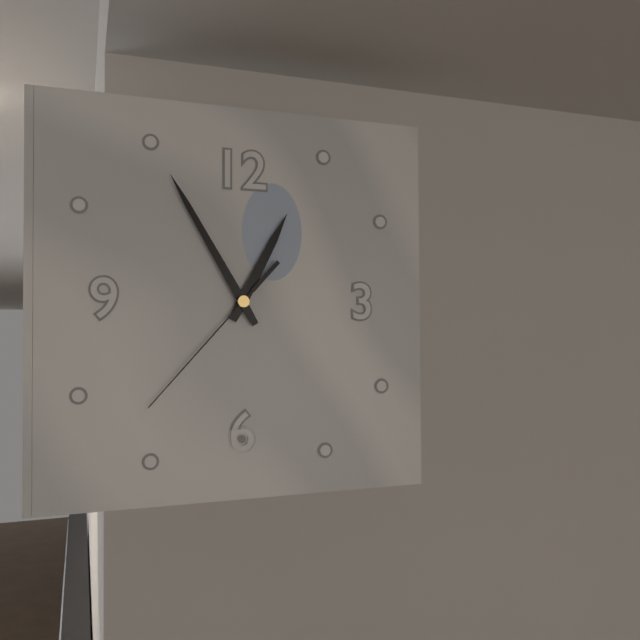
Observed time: **12:55:37**
